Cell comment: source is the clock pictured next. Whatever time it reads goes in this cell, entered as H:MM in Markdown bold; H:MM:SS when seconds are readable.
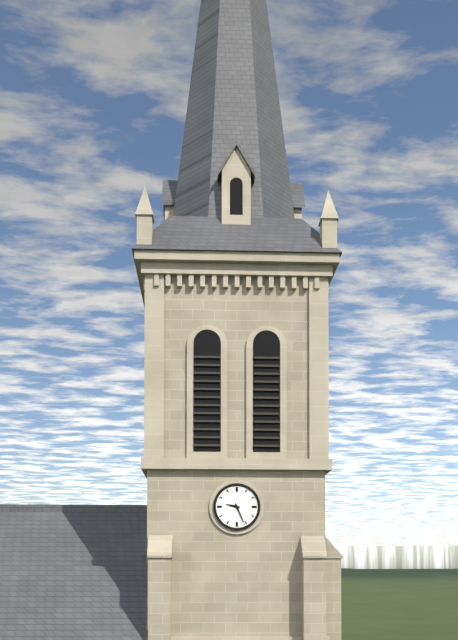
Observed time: **9:26**
